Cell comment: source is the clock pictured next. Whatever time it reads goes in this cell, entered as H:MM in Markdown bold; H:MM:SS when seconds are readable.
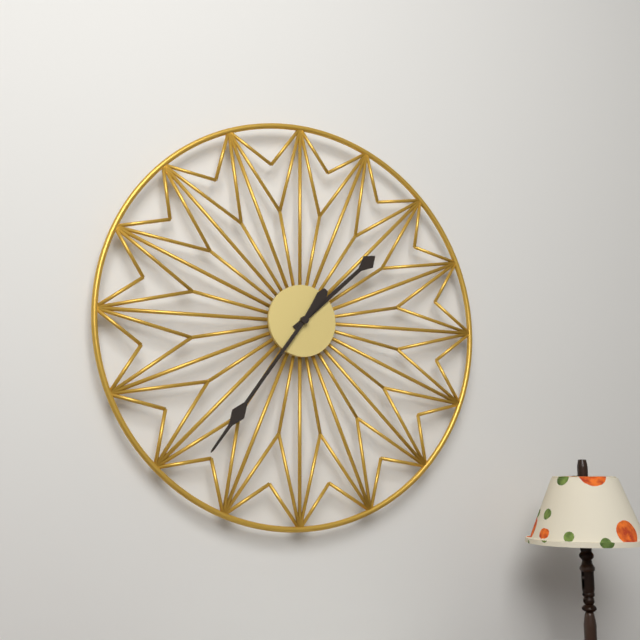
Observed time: **1:36**
